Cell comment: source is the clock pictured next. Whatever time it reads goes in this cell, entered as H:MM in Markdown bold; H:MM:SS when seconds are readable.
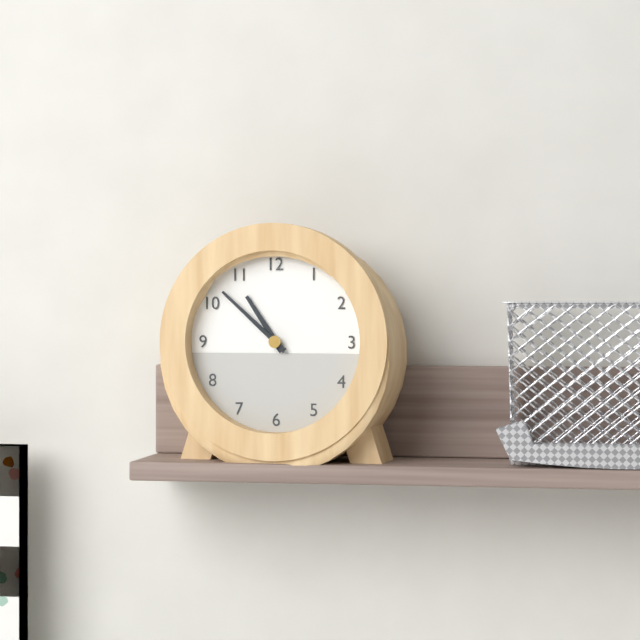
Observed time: **10:52**
